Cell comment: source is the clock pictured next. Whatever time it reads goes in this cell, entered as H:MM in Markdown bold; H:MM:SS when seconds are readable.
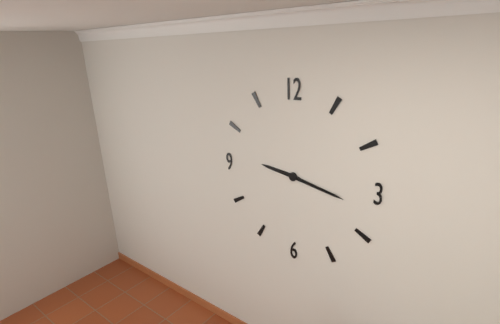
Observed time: **9:17**
